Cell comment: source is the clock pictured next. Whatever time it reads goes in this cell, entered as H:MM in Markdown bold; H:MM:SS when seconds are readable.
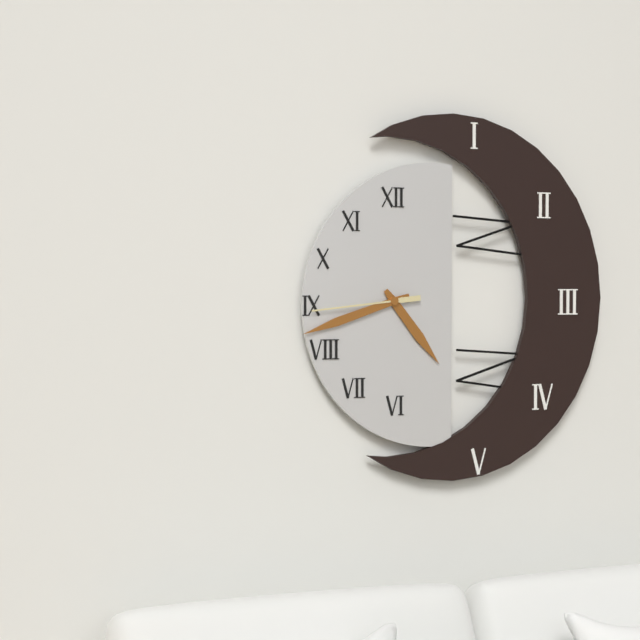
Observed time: **4:42:44**
